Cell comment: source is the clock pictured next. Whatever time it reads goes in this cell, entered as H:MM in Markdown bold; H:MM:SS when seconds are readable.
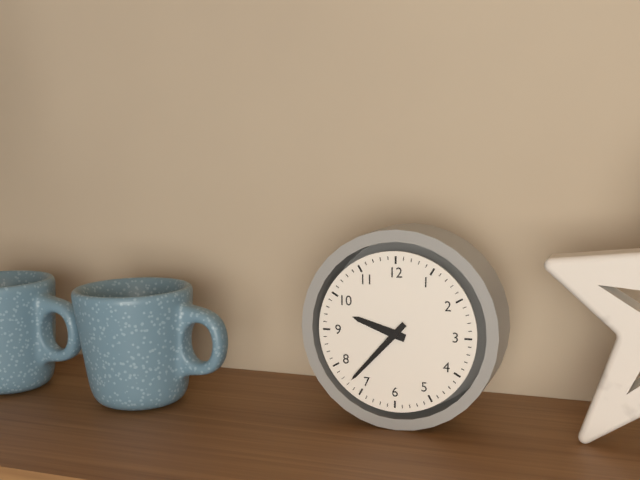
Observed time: **9:37**
